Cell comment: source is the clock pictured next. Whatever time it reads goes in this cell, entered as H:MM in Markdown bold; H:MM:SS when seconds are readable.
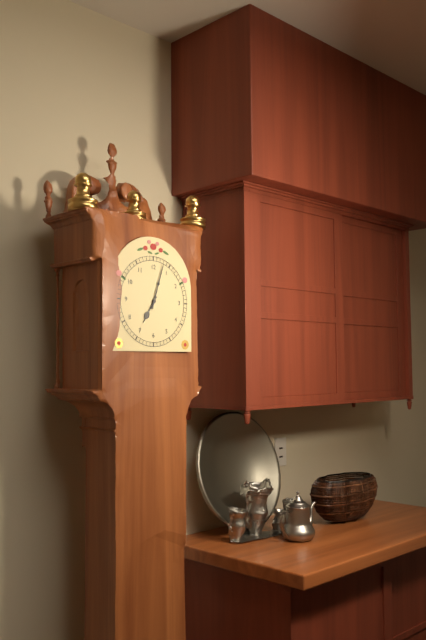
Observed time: **7:03**
